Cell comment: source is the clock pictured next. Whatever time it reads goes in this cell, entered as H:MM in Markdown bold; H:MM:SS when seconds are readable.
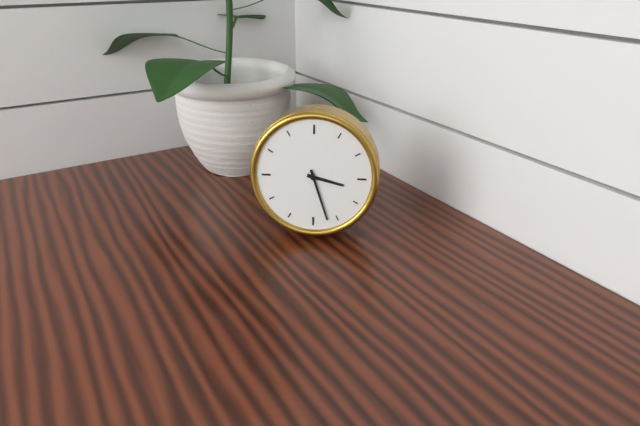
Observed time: **3:27**
